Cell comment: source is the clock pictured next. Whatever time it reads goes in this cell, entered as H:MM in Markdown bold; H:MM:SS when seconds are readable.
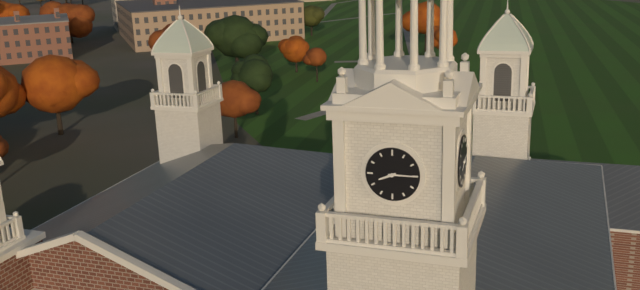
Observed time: **8:15**
